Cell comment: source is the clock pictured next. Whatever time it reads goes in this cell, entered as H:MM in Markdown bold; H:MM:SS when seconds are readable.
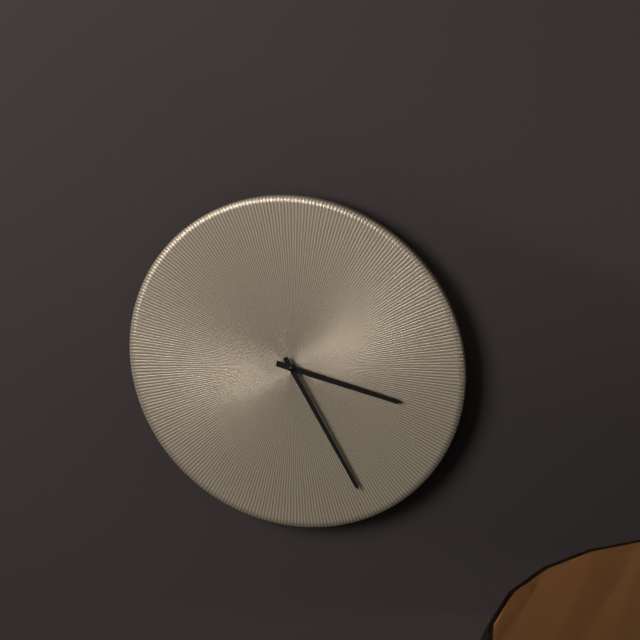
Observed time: **3:25**
